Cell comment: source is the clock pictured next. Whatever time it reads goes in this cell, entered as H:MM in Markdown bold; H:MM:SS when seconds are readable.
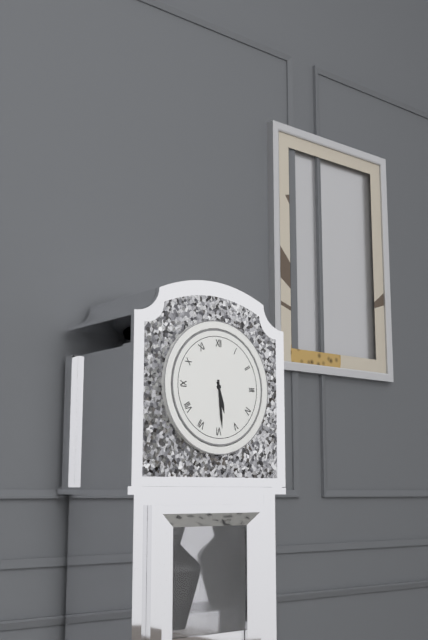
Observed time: **5:29**
